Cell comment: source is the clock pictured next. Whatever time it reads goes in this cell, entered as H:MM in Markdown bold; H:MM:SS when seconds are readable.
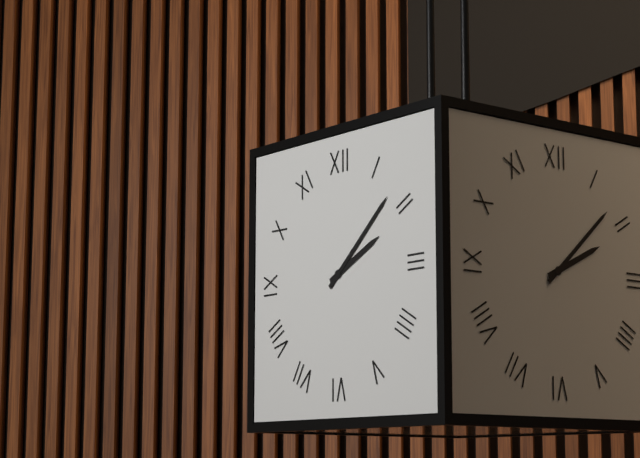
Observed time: **2:08**
